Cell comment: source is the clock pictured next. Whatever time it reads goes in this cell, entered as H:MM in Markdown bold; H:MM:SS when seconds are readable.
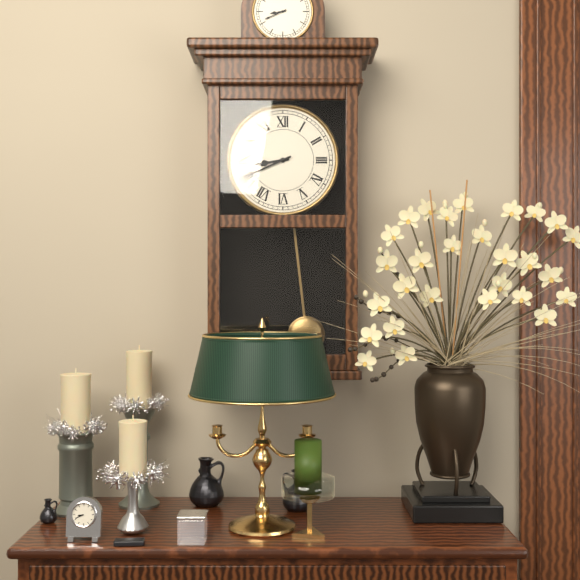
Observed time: **8:41**
